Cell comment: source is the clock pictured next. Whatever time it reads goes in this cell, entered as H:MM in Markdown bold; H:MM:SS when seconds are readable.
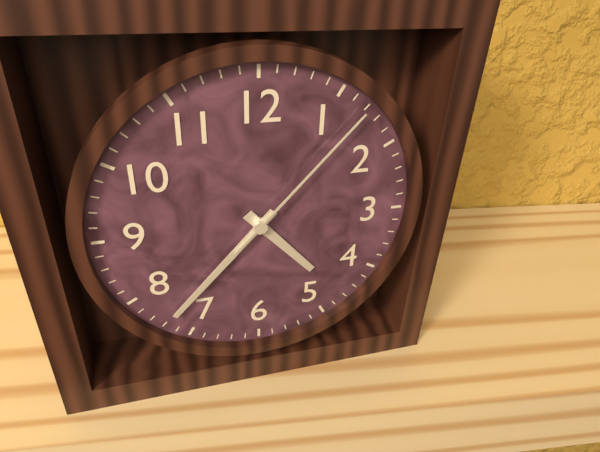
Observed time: **4:37:07**
